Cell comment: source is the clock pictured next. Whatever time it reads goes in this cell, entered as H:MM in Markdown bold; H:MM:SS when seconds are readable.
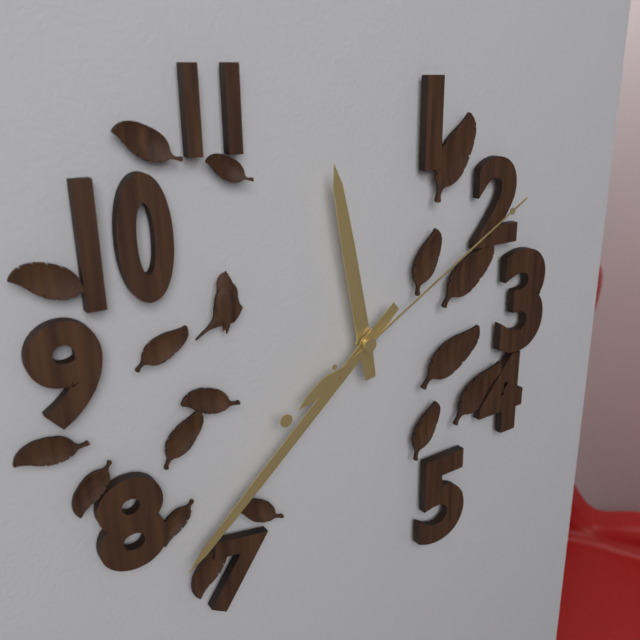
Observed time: **11:38:10**
